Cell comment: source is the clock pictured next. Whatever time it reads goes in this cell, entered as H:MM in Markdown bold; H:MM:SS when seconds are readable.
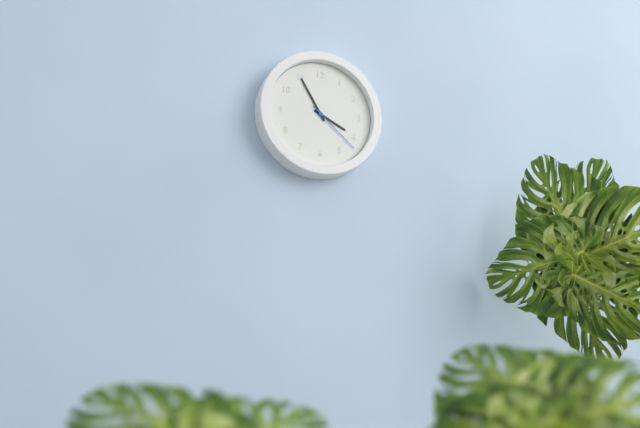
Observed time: **3:55:22**
